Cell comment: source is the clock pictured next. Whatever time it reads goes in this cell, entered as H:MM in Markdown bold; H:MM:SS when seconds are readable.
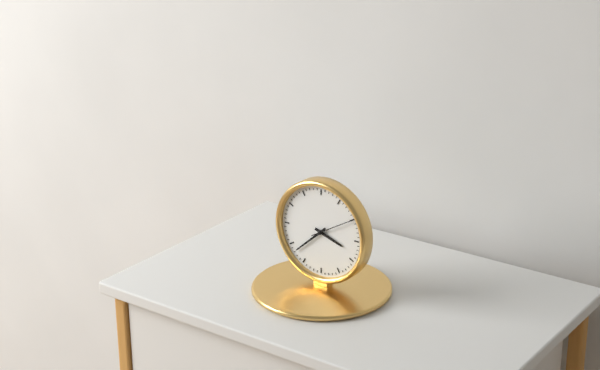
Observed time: **3:38**
